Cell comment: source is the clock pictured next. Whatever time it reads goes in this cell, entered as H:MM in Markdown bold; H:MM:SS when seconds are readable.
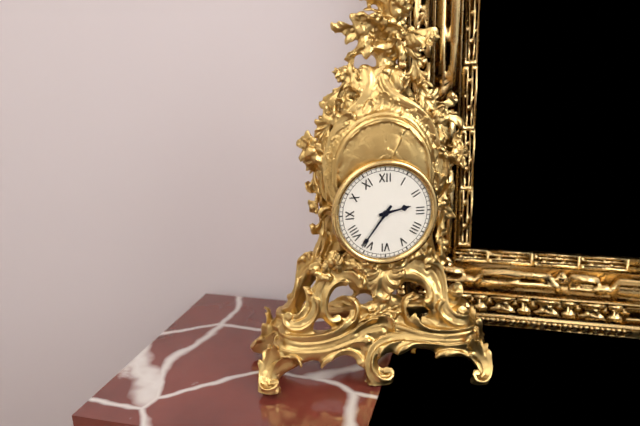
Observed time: **2:36**
